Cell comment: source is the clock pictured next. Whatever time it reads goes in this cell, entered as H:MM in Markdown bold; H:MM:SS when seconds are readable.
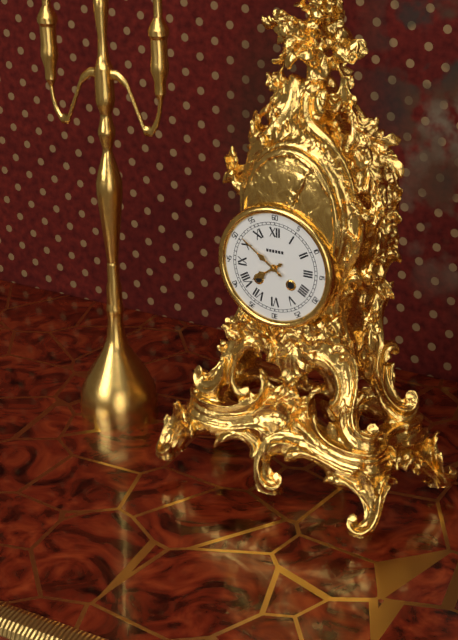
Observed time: **7:51**
